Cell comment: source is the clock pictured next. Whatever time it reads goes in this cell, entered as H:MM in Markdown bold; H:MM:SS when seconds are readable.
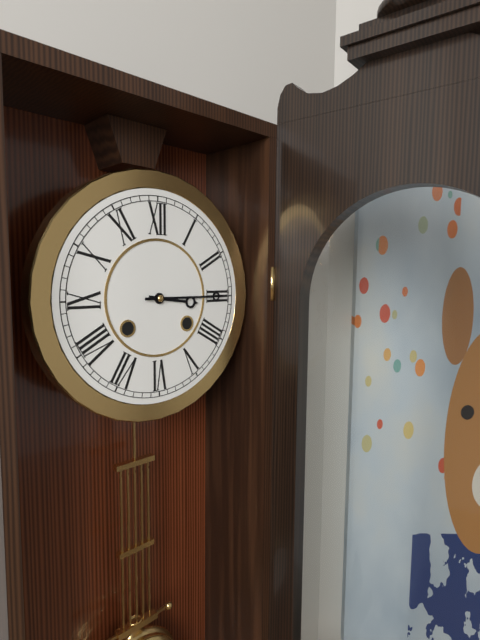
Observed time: **3:15**
